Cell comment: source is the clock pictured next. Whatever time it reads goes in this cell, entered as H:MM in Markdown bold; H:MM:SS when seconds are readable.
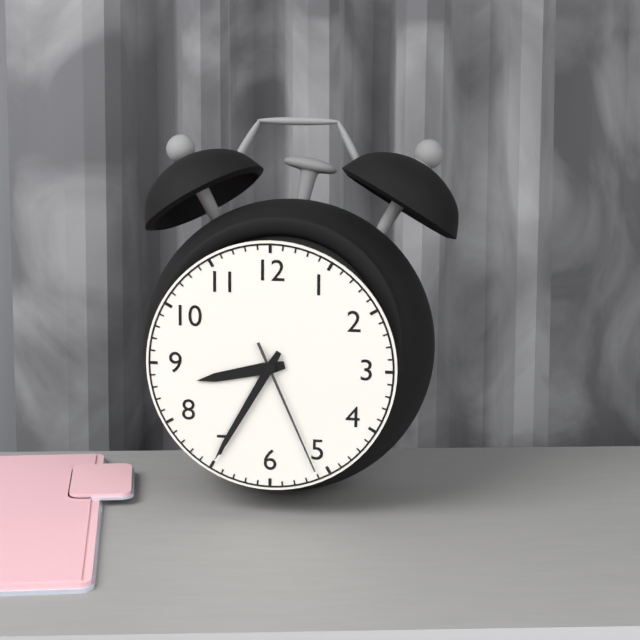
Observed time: **8:35:26**
